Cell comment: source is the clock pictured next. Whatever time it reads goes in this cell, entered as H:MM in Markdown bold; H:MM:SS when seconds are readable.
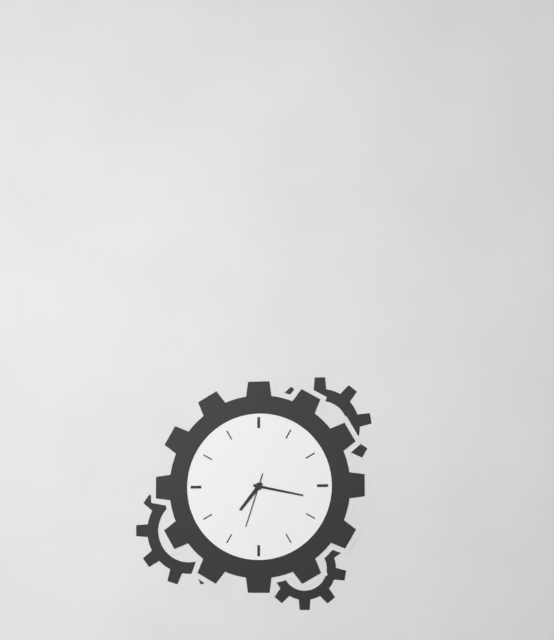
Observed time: **7:17:33**
